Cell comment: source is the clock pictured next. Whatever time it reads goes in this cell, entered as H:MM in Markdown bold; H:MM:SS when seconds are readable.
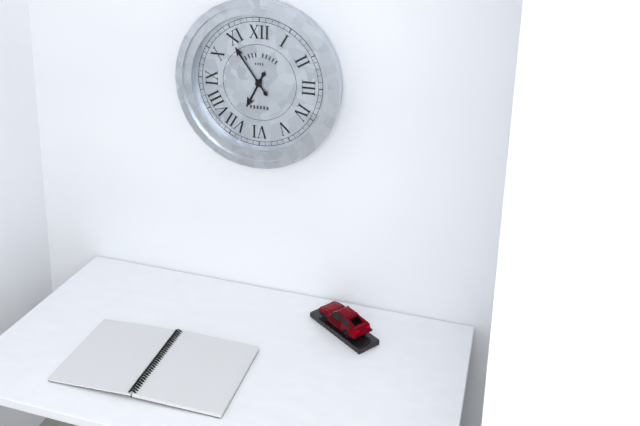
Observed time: **6:54**
